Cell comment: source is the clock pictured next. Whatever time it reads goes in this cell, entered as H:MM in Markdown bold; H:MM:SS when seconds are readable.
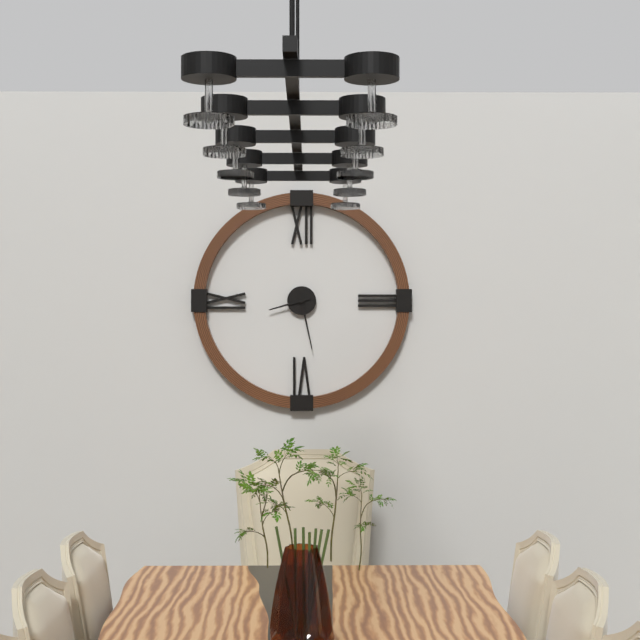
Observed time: **8:28**
